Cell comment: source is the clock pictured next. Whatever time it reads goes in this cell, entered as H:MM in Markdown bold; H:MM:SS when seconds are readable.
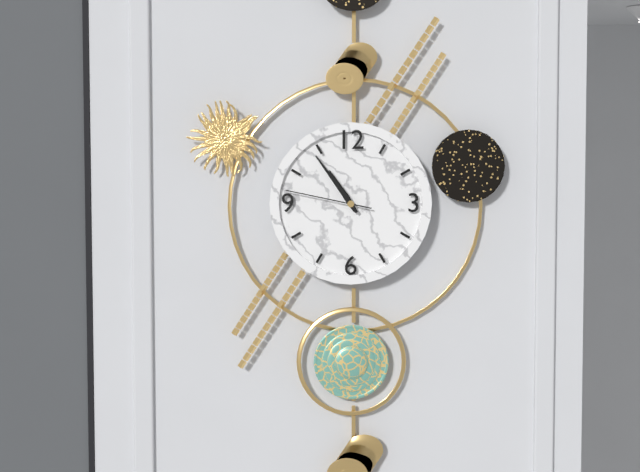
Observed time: **10:54:47**
